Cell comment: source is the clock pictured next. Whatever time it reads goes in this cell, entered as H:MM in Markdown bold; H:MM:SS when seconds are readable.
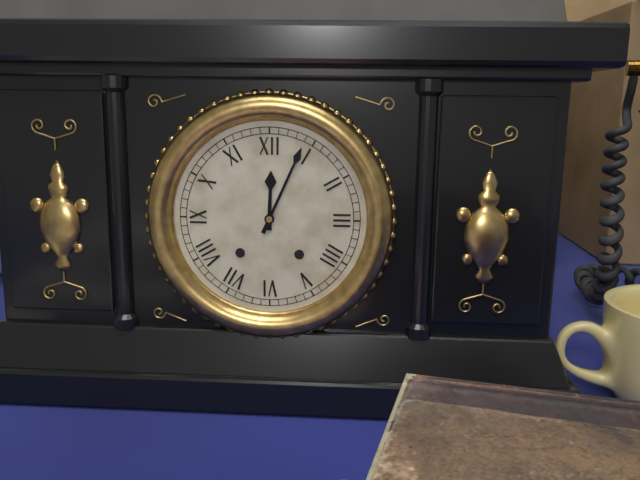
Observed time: **12:04**
